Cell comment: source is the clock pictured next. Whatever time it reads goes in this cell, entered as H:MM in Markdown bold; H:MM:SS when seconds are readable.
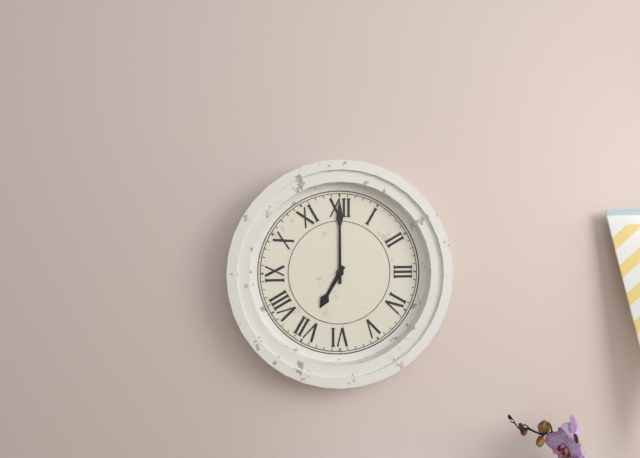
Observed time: **7:00**
